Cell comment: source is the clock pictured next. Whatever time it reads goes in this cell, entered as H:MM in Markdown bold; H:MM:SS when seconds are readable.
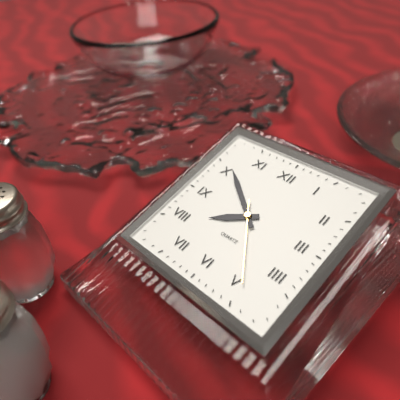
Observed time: **7:51:24**
